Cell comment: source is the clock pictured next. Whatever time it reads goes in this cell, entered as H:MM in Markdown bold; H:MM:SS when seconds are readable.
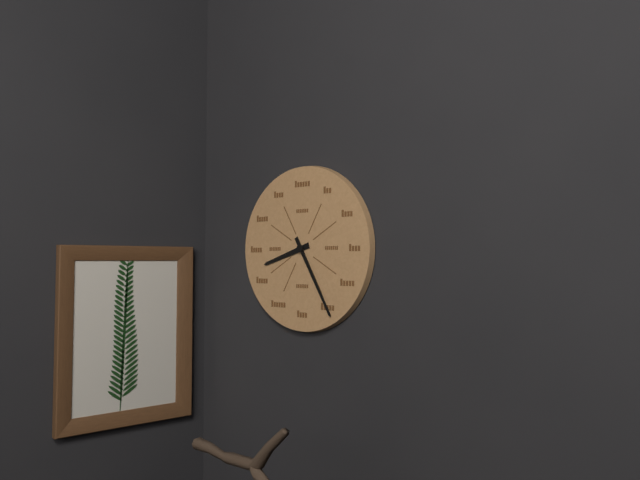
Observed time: **8:25**
